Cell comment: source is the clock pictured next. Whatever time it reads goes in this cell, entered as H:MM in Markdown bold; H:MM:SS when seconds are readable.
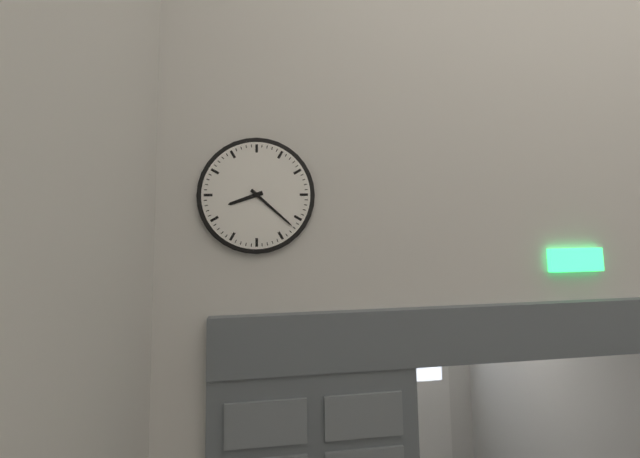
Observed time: **8:22**
